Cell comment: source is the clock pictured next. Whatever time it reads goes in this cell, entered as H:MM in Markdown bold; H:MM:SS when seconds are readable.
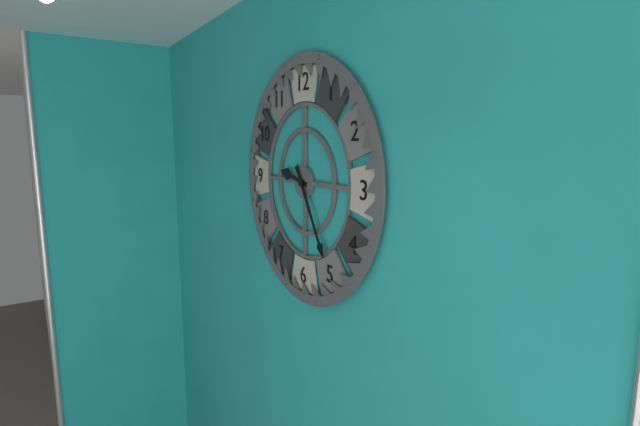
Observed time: **9:25**
